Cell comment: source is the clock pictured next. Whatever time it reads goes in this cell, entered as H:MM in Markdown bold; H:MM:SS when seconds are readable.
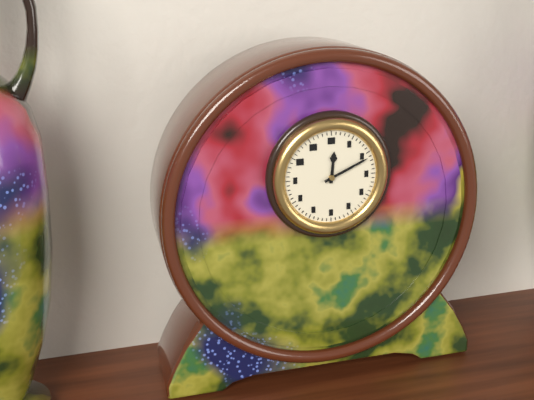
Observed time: **12:11**
